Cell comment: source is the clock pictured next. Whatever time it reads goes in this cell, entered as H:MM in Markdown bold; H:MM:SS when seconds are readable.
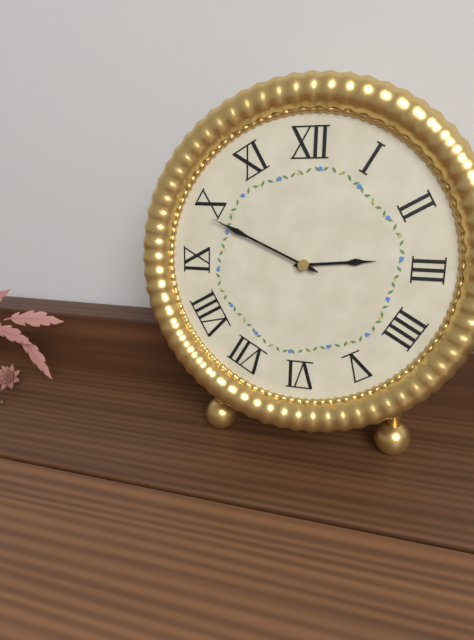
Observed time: **2:49**
